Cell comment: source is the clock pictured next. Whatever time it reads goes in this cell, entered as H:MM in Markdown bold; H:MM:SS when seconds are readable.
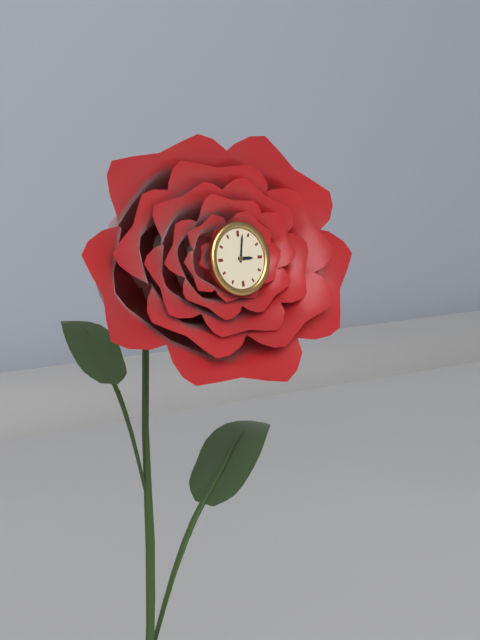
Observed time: **3:02**
